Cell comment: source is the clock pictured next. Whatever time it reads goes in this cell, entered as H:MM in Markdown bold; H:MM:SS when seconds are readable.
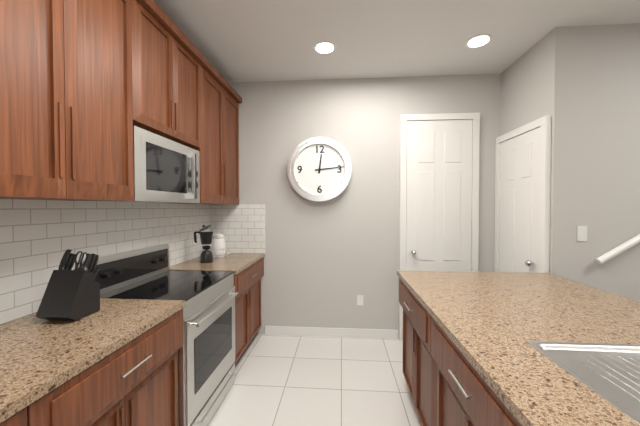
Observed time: **12:14**
